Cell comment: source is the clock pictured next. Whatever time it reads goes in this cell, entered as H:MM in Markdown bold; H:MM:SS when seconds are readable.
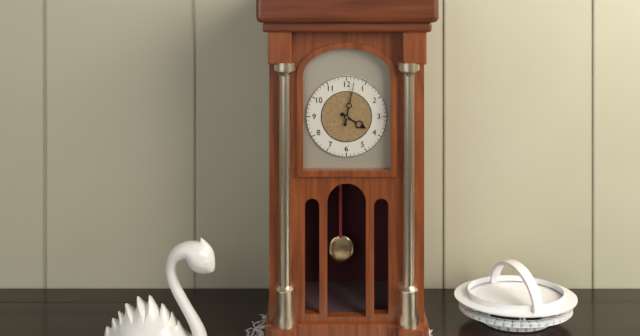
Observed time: **4:02**
